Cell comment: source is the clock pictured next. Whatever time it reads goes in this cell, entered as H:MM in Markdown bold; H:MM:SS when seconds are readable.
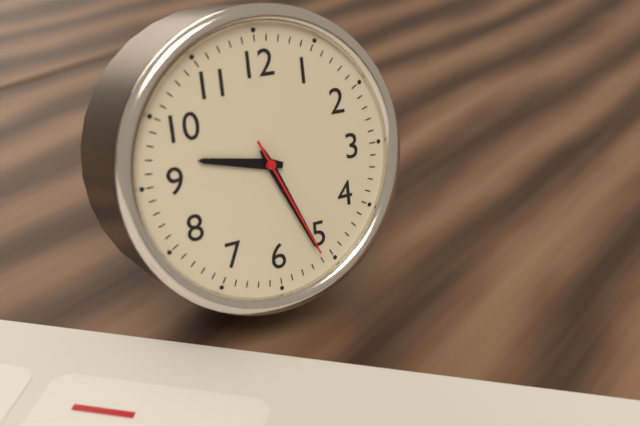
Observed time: **9:26:26**
